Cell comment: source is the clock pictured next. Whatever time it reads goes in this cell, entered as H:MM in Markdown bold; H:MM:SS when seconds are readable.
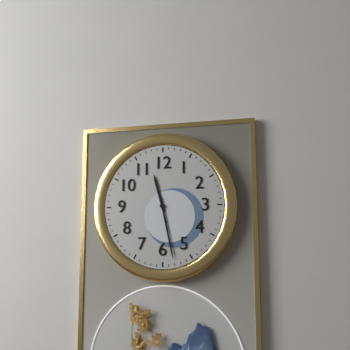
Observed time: **11:28**
